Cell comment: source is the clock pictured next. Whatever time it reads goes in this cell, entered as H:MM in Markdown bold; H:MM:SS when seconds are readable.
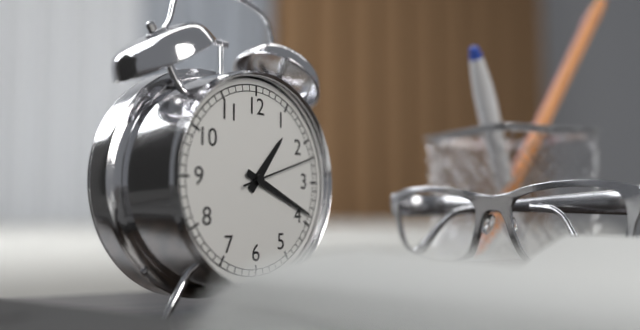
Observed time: **1:19:12**
